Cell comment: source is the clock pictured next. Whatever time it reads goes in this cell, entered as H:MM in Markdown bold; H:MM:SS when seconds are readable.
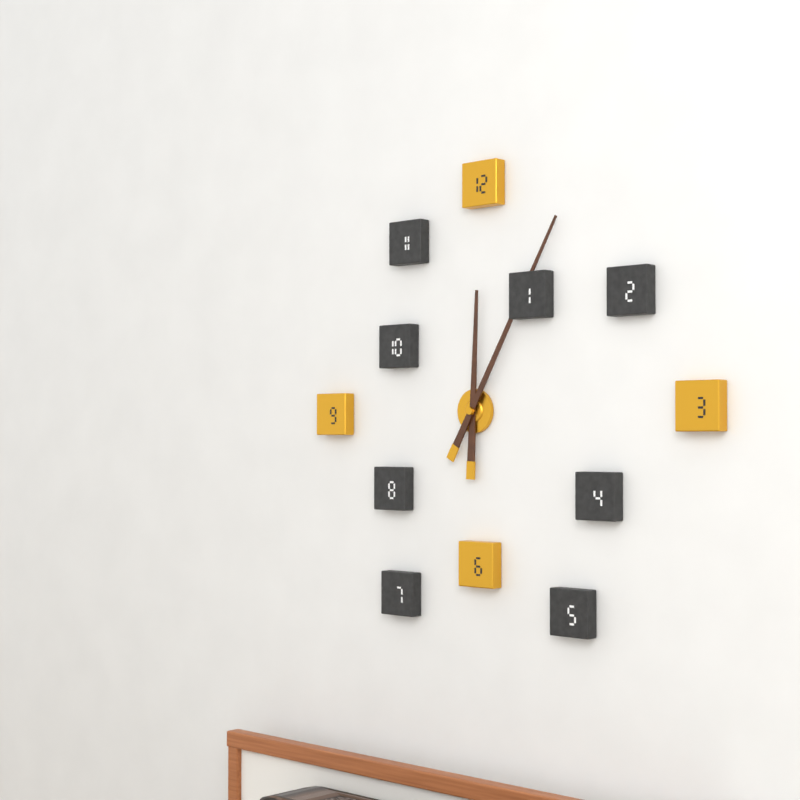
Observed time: **12:05**
